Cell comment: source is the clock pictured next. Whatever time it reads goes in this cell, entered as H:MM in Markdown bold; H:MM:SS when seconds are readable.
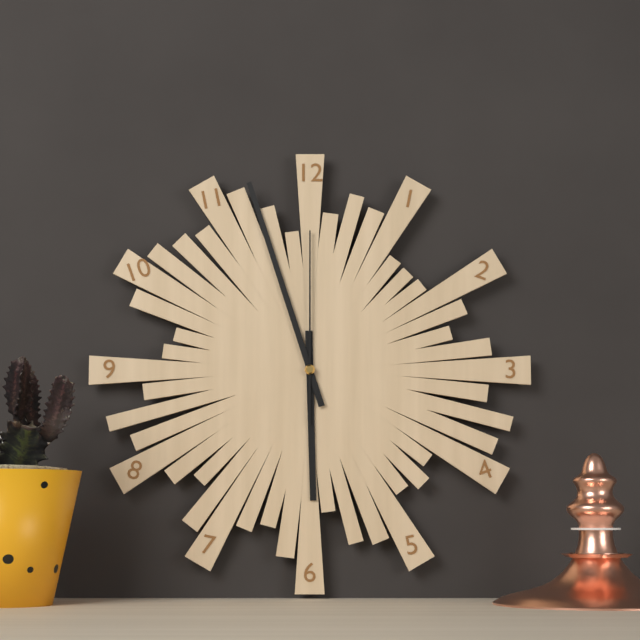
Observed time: **5:57:00**
